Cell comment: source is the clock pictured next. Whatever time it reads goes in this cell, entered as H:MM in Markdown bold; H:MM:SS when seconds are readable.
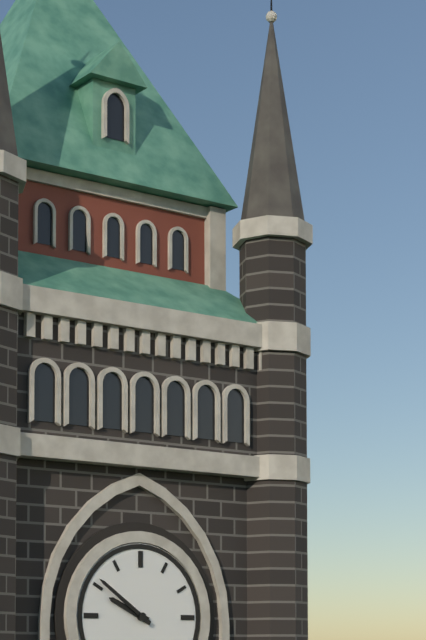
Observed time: **9:51**
